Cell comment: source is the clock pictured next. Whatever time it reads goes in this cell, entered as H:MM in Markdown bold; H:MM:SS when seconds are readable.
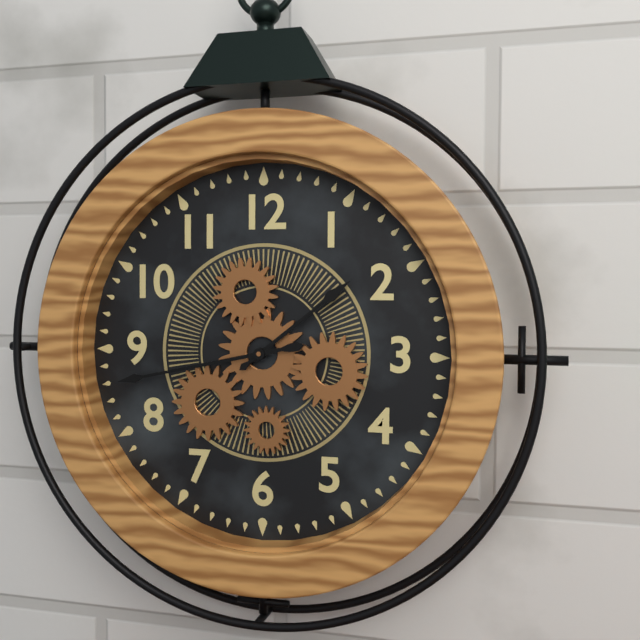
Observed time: **1:43**
